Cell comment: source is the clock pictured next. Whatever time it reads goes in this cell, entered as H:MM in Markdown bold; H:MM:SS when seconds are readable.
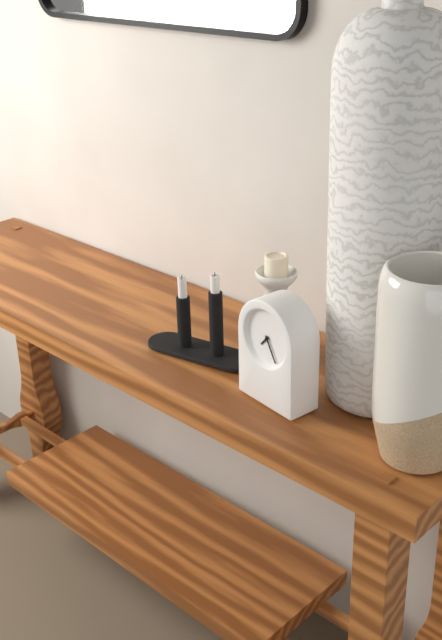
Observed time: **7:25**
